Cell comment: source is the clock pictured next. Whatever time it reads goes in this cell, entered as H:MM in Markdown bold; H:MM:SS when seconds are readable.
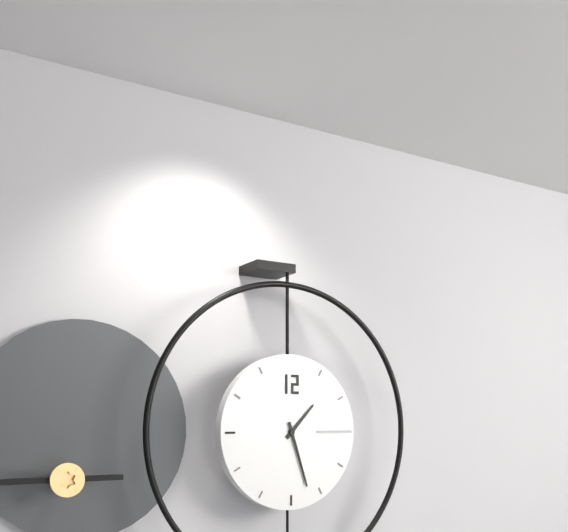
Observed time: **1:27**
